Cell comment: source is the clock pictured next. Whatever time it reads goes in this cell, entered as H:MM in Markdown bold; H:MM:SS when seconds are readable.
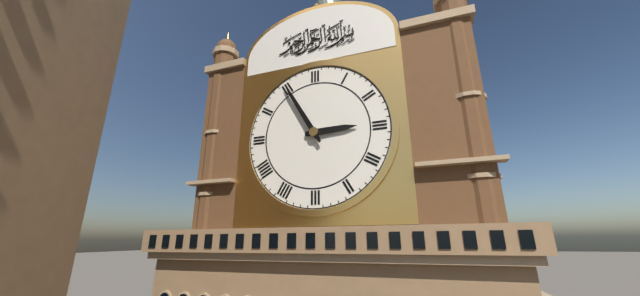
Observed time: **2:55**
